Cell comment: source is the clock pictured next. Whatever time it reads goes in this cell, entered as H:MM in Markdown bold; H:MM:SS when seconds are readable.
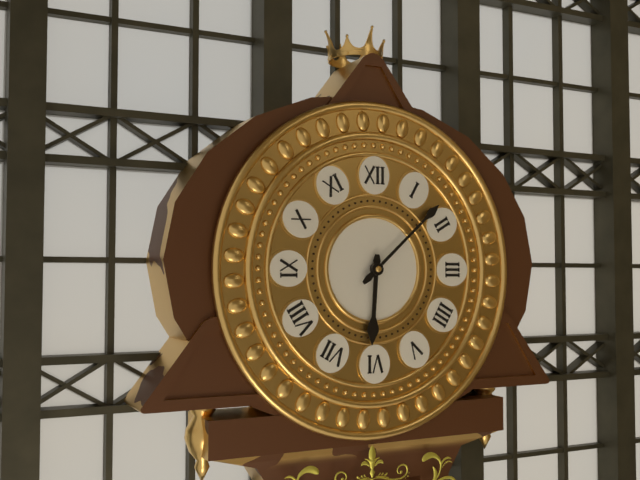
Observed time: **6:08**
